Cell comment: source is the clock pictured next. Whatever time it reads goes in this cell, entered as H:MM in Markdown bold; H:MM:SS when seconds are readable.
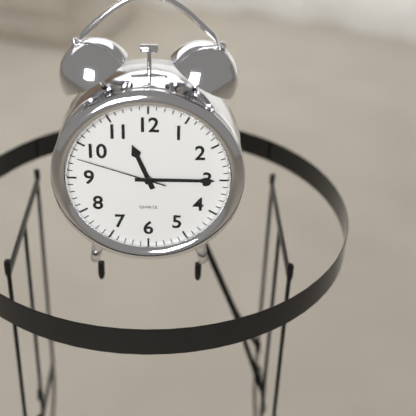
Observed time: **11:15:48**
